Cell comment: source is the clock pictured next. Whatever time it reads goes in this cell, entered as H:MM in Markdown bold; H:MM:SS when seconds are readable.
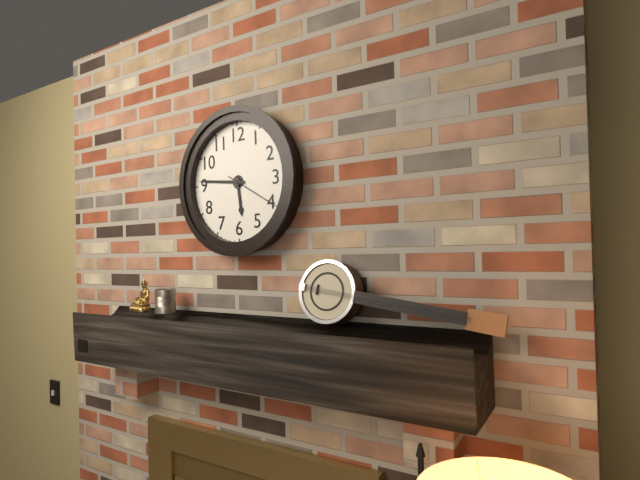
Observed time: **5:46:20**
